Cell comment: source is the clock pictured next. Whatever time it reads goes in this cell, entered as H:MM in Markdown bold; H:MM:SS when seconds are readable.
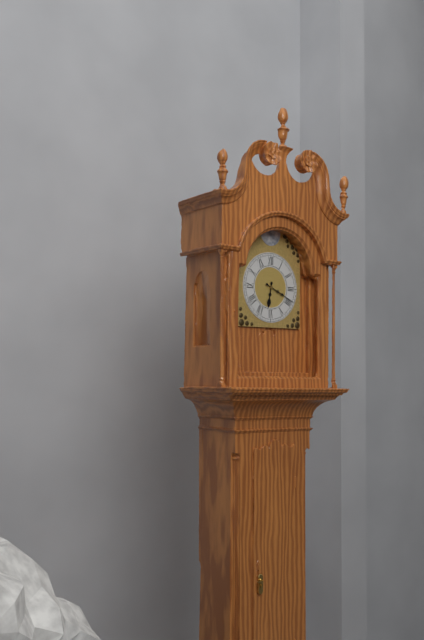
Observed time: **6:19**
